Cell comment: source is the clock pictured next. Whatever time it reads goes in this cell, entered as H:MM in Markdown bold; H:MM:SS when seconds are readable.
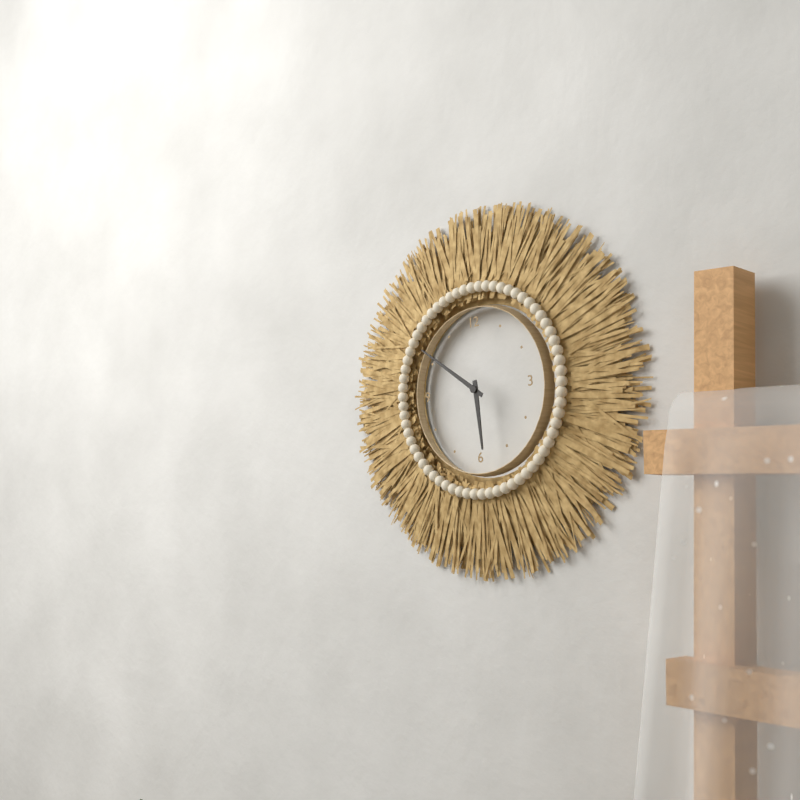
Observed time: **5:51**
